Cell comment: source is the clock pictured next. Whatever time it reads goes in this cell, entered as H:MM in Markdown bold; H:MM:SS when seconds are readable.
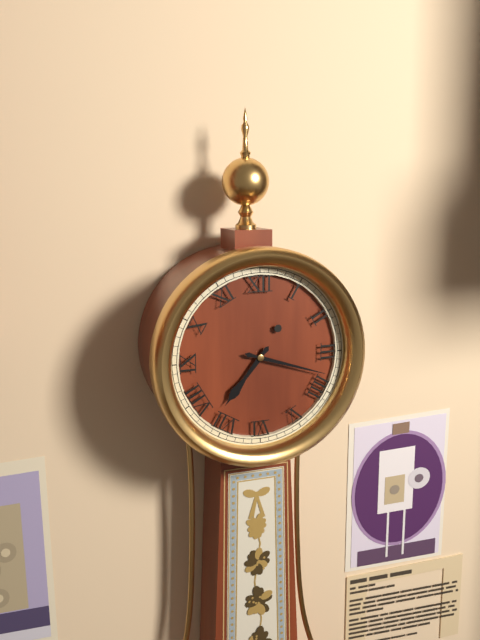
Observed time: **7:18**
